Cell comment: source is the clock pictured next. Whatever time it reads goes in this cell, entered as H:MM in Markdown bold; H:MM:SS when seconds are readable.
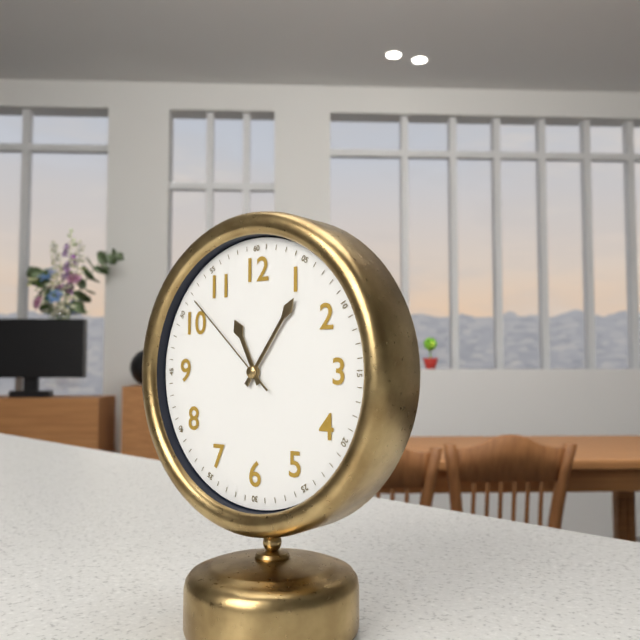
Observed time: **11:06:52**
